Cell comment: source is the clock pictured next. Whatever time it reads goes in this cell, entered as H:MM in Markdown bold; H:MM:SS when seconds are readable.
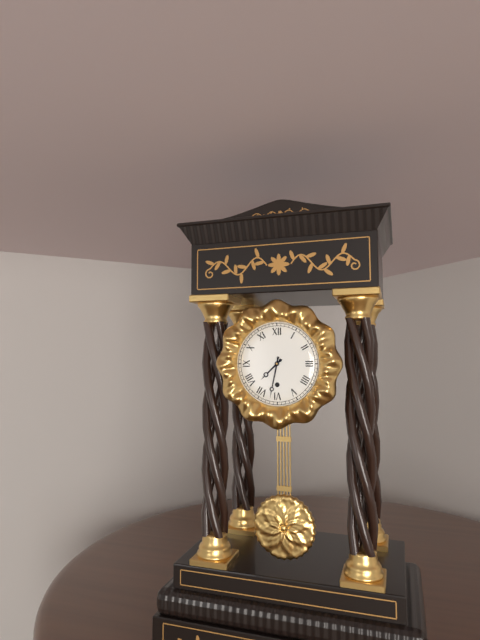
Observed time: **7:32**
